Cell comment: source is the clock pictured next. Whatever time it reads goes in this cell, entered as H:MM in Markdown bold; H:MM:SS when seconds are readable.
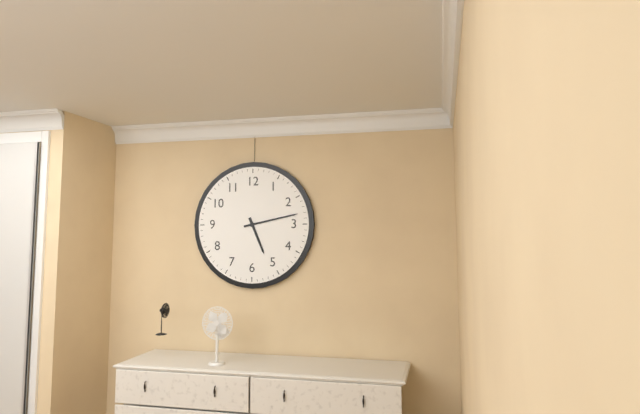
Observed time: **5:13**
